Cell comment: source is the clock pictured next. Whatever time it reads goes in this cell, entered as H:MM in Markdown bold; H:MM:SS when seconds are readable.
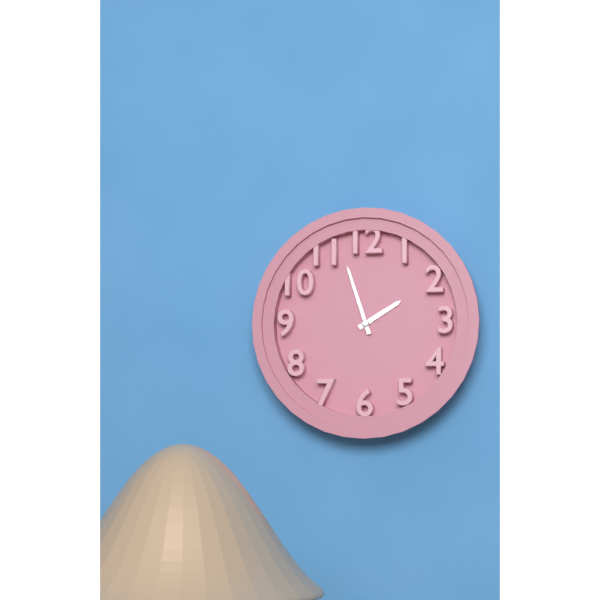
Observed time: **1:57**
